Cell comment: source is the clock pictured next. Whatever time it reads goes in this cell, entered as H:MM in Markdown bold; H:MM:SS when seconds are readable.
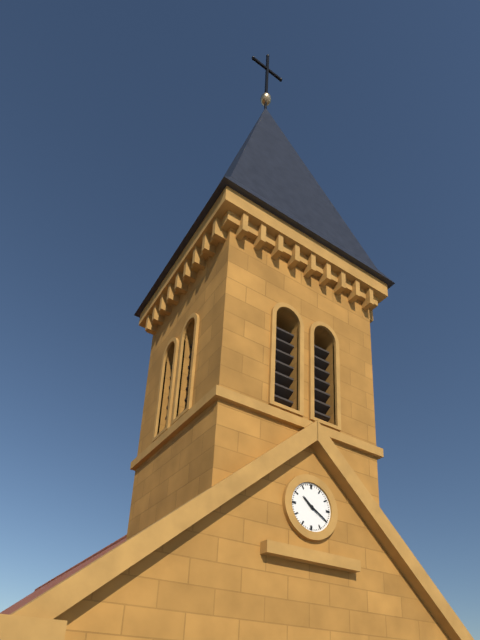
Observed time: **10:20**
